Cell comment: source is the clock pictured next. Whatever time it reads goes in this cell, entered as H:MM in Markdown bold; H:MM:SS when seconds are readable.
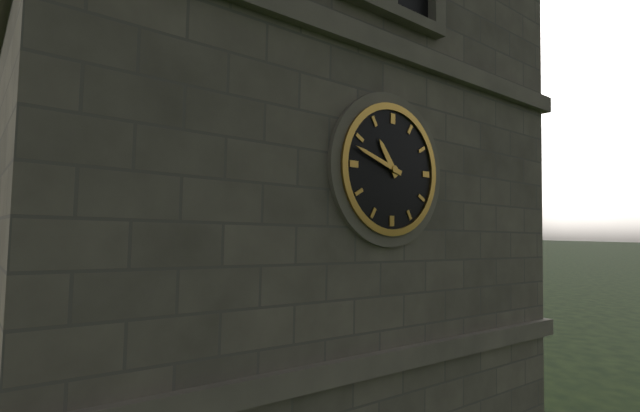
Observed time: **10:48**
